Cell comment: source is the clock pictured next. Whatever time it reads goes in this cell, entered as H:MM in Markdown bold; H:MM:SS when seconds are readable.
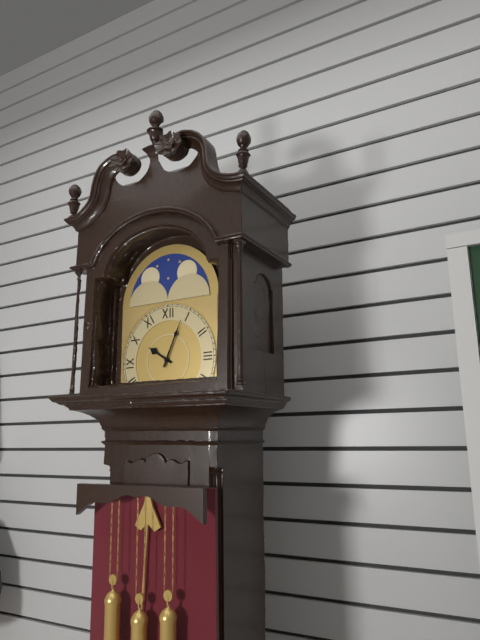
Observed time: **10:04**
